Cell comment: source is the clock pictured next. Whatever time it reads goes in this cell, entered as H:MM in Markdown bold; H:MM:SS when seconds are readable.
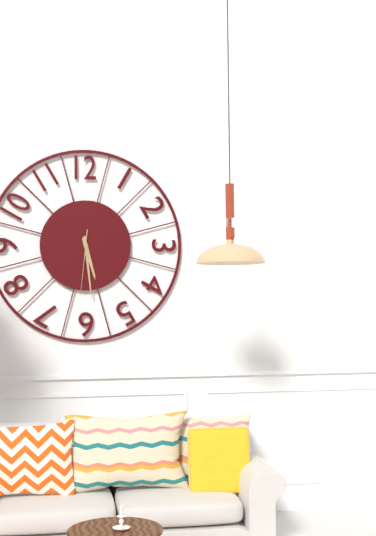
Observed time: **5:29:31**
